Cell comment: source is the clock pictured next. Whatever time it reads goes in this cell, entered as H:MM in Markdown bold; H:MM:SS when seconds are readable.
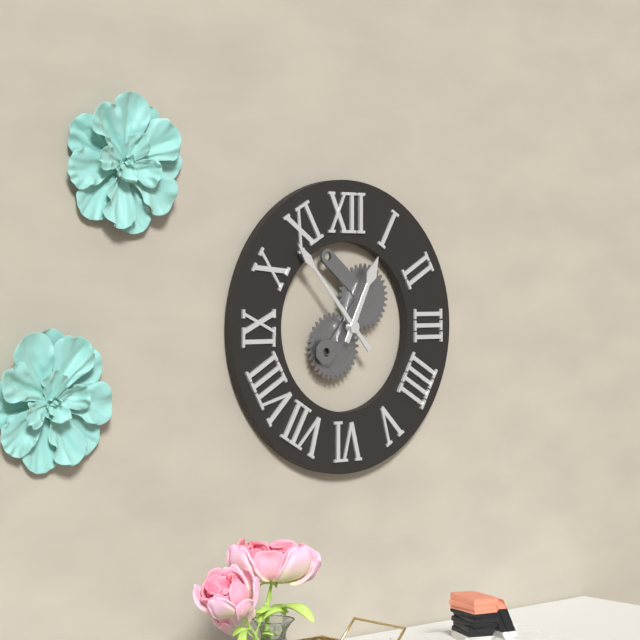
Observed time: **12:53**
